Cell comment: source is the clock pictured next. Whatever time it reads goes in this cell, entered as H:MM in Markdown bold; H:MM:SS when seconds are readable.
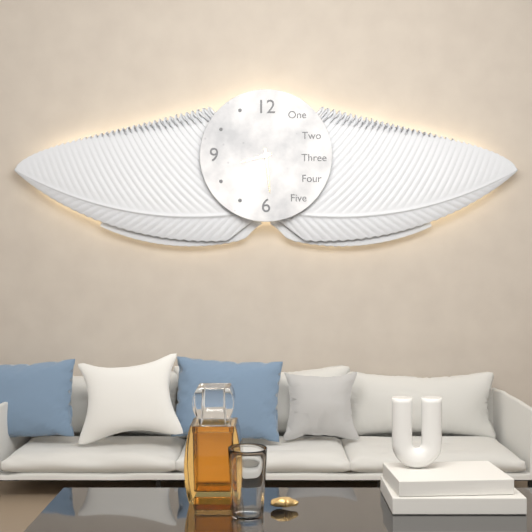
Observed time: **8:29**
